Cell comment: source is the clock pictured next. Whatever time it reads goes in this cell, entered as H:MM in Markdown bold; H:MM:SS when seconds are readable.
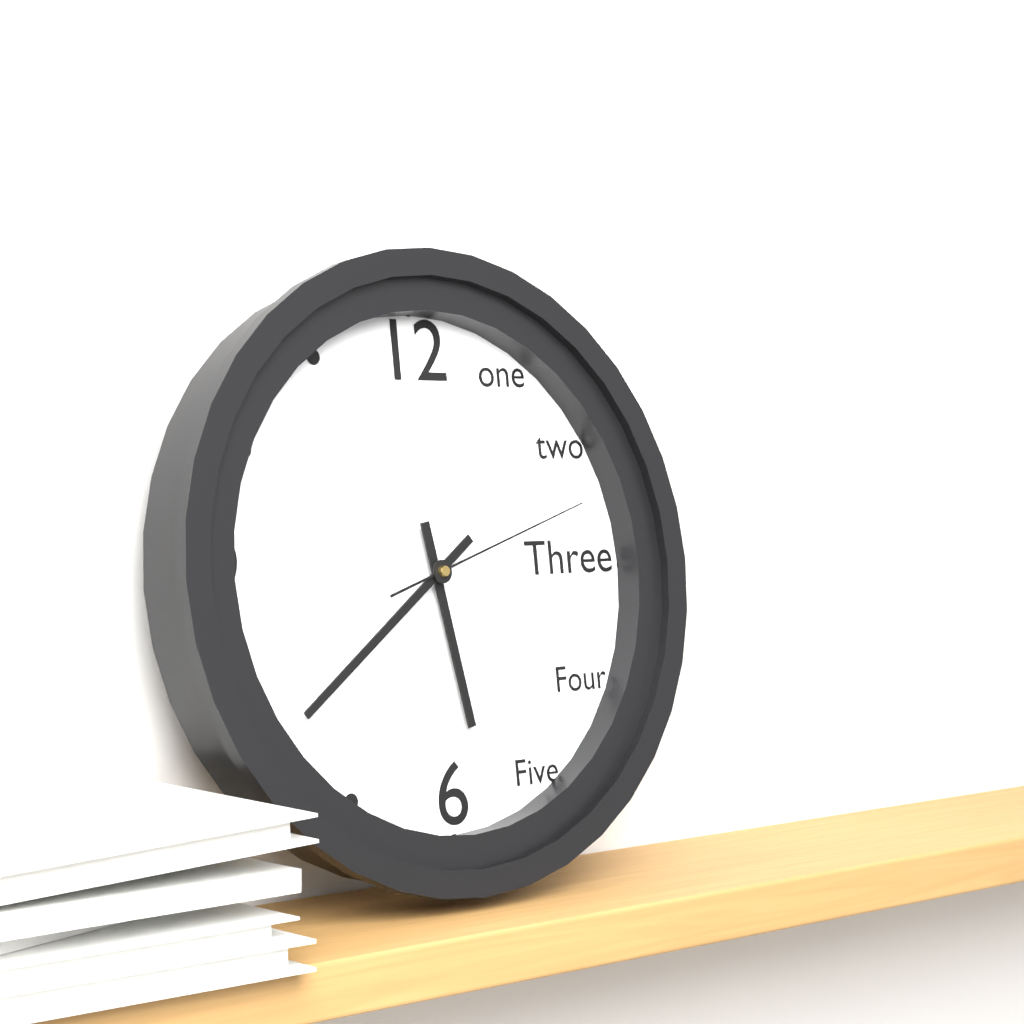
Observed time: **5:39:12**
